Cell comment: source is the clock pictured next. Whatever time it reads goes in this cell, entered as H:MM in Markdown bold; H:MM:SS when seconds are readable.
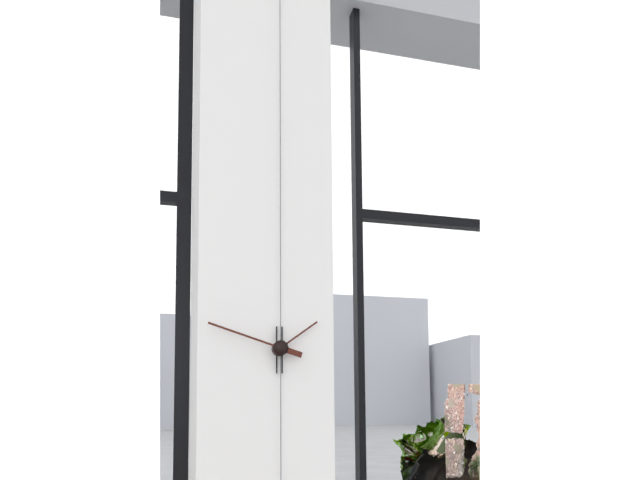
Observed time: **1:48**
